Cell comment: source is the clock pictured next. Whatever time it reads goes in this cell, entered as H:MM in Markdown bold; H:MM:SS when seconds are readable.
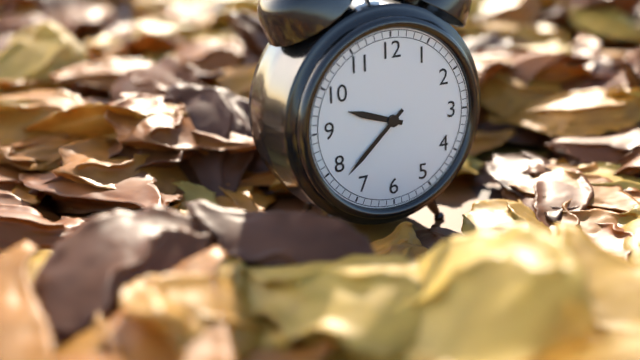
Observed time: **9:38**
